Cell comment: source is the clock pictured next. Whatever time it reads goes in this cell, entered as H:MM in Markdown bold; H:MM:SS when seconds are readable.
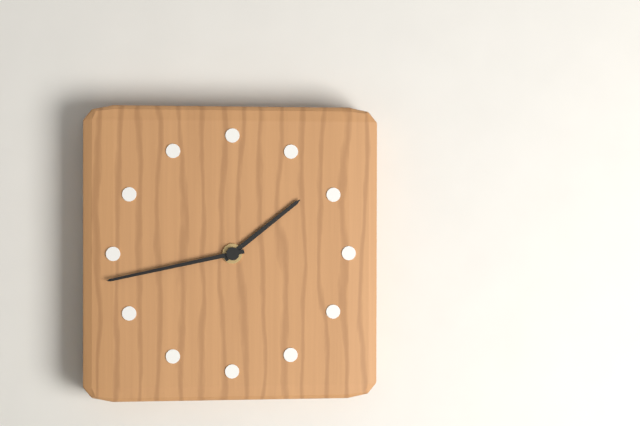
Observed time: **1:43**
